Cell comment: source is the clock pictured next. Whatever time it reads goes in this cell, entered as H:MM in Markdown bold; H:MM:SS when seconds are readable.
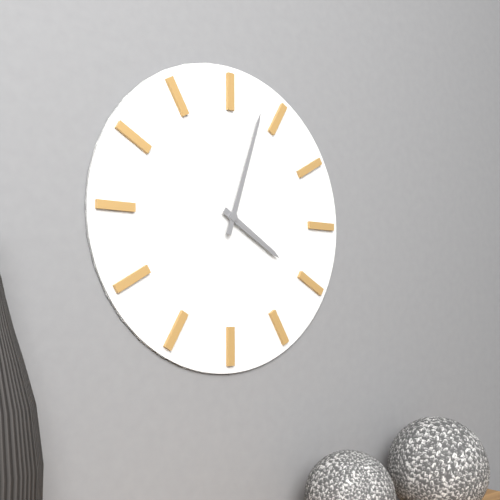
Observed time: **4:03**
